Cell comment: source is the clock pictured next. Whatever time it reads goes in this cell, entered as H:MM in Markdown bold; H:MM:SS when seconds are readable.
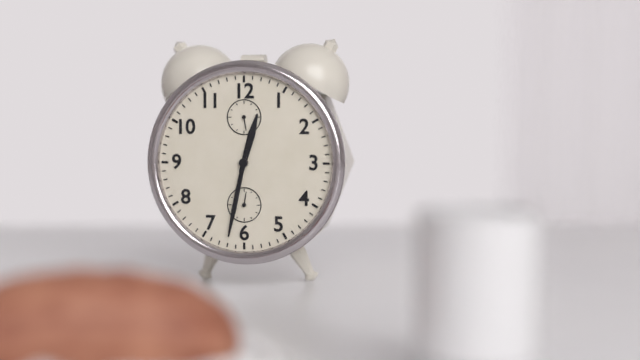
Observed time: **12:32**
